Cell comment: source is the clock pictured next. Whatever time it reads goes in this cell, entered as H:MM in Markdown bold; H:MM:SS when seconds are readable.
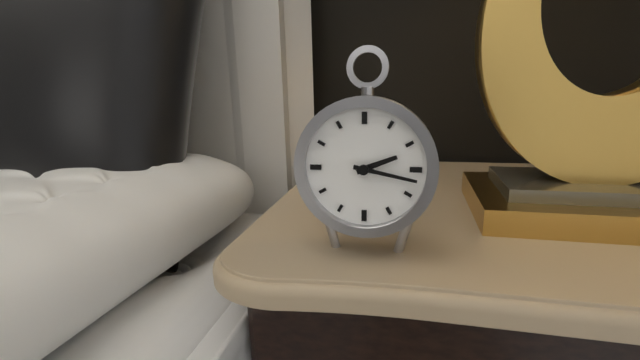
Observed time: **2:17**
